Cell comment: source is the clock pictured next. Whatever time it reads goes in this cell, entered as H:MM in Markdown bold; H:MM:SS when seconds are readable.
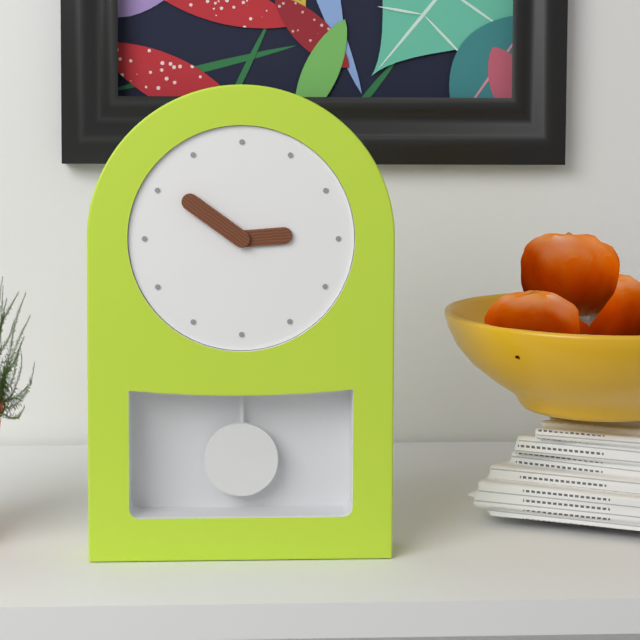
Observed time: **2:51**
